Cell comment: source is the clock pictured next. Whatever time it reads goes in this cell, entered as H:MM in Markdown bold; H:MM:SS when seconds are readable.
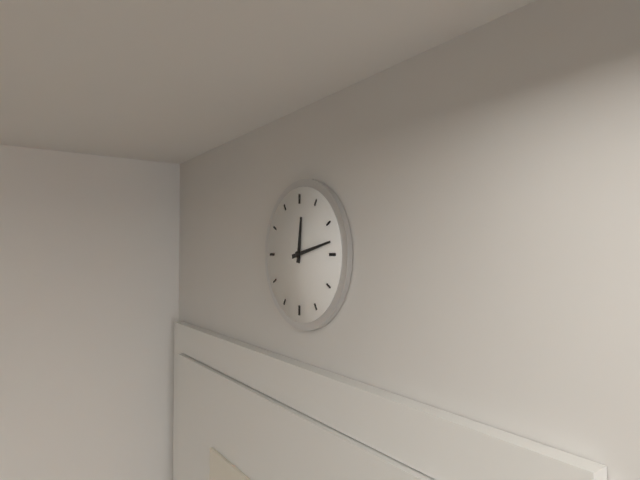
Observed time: **12:13**
